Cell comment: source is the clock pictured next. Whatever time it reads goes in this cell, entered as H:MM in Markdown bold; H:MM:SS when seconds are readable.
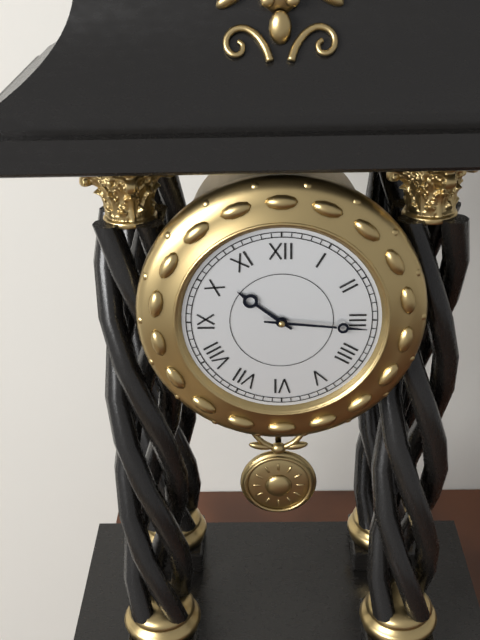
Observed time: **10:16**
